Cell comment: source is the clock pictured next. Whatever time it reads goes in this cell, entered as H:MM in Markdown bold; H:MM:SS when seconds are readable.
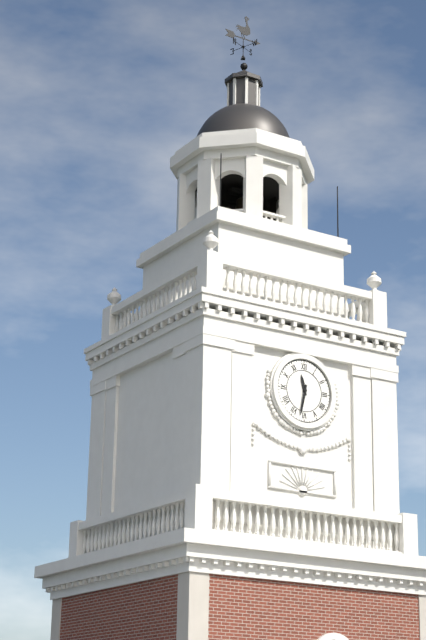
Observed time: **11:32**
